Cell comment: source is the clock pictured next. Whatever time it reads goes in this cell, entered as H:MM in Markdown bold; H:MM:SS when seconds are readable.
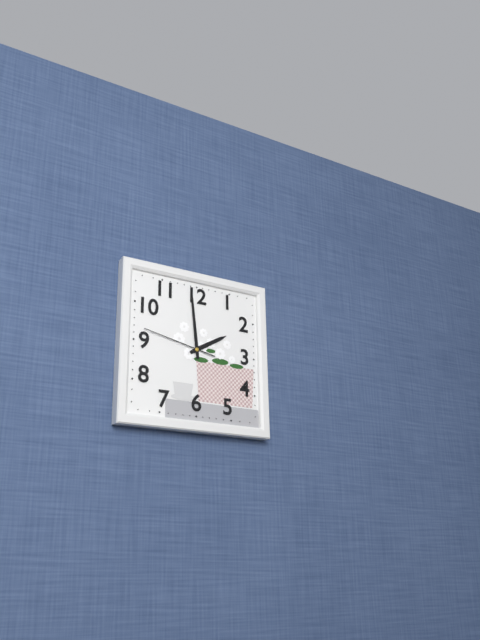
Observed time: **1:59:47**
